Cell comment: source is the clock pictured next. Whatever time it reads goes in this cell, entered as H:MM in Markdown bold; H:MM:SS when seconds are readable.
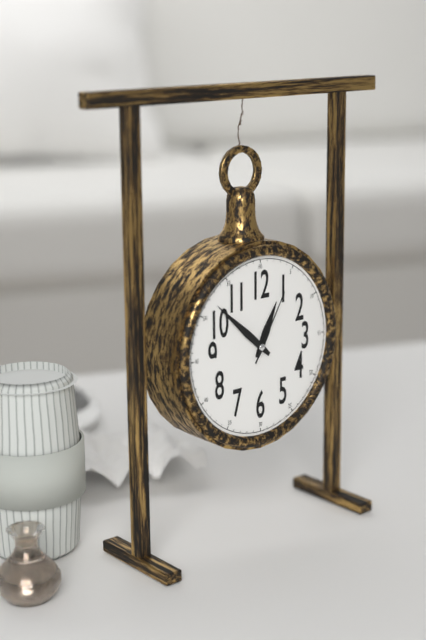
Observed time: **12:52:05**
